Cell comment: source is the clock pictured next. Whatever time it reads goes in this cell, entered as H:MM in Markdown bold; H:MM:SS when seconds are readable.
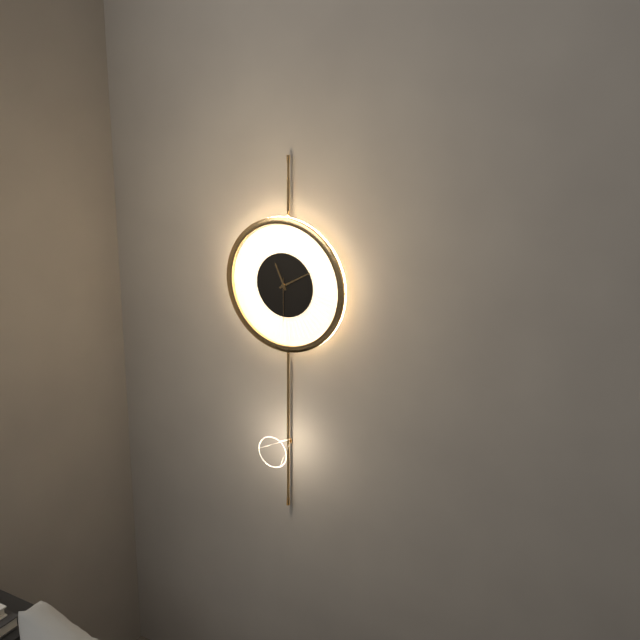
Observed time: **11:10**
